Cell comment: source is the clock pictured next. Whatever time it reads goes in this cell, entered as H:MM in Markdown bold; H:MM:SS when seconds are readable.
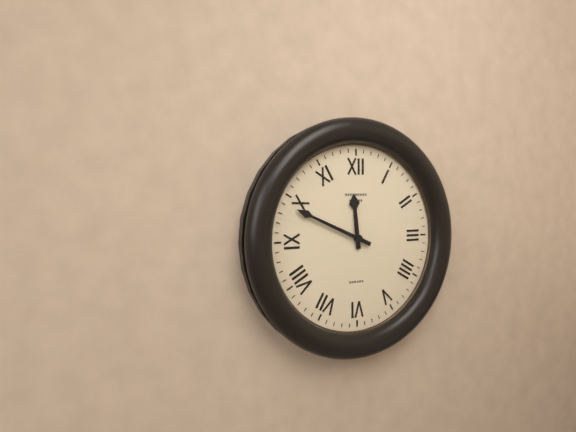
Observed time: **11:49**
